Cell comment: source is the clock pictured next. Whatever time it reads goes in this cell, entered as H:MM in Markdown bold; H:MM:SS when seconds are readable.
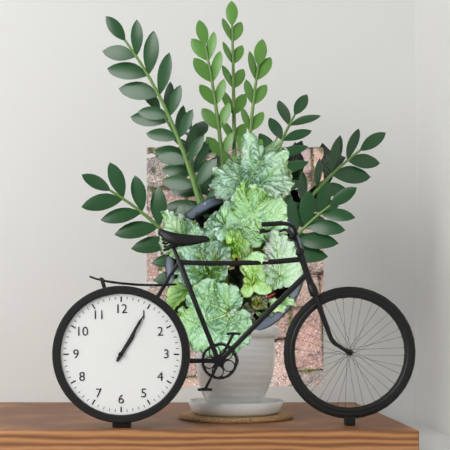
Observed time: **1:05**
